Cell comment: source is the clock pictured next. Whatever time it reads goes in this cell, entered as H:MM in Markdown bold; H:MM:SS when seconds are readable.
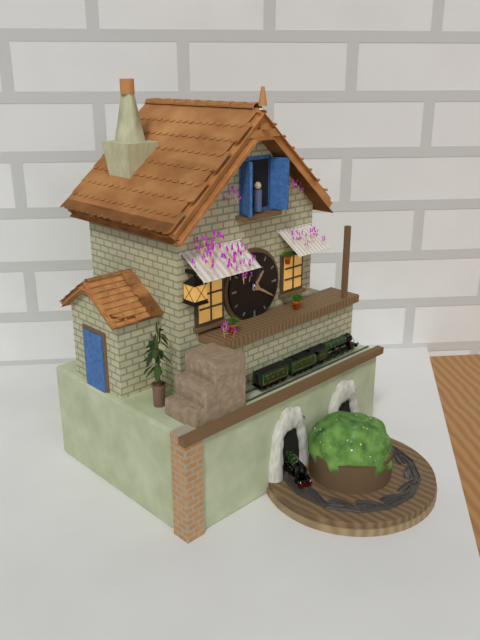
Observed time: **1:20**
